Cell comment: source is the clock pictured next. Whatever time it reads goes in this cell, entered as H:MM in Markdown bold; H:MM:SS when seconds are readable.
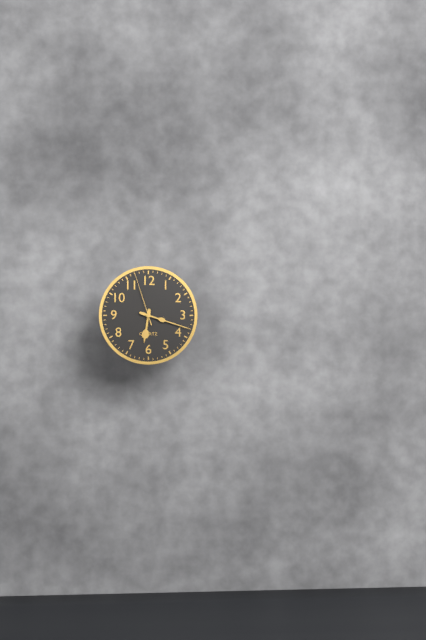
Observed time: **6:18:57**
